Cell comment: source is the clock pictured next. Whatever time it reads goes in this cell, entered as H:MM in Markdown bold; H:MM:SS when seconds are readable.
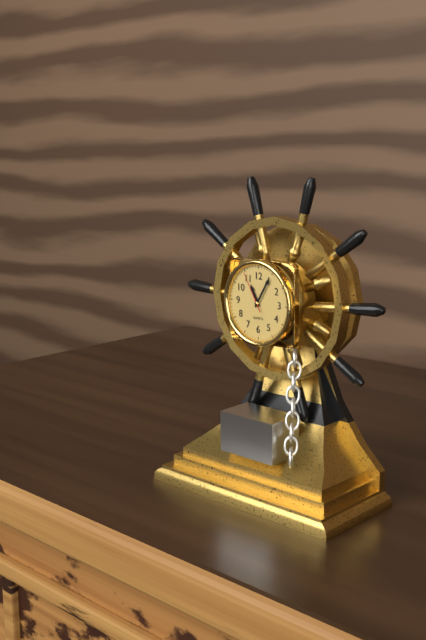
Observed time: **11:05**
